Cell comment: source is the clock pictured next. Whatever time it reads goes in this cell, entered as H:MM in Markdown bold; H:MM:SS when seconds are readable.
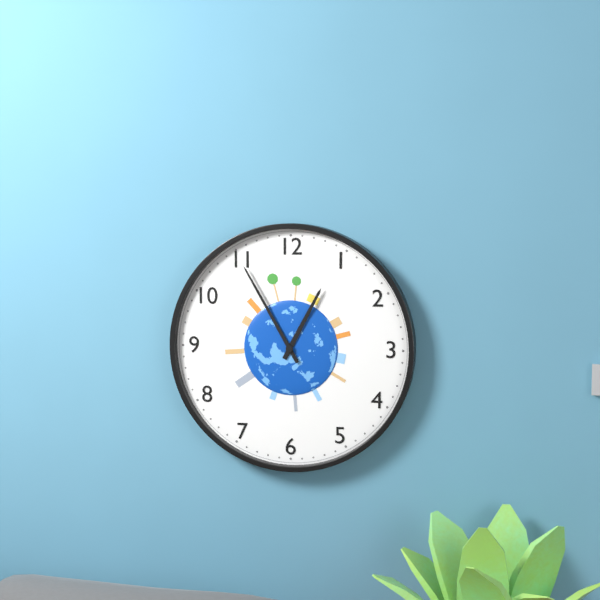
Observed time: **12:55**
